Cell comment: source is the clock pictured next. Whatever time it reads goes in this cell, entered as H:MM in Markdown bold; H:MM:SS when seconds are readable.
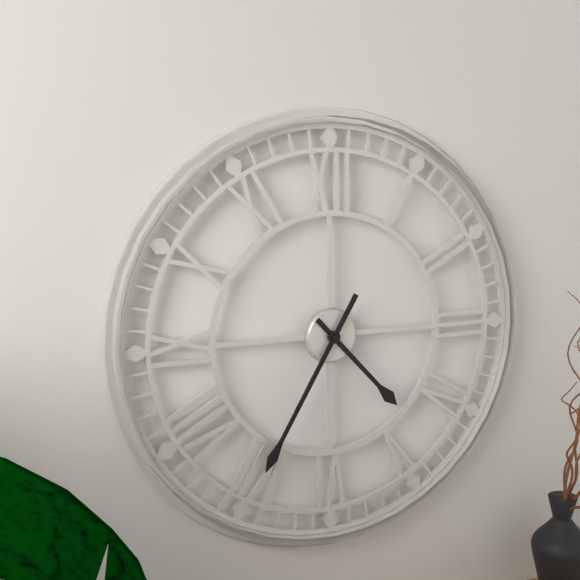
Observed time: **4:35**
